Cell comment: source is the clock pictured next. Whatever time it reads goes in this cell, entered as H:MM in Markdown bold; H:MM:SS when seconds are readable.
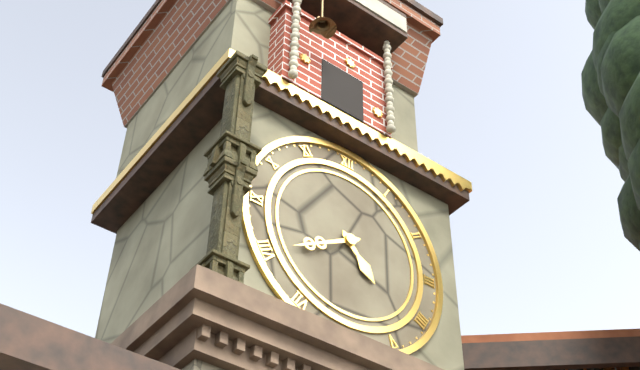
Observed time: **4:40**
